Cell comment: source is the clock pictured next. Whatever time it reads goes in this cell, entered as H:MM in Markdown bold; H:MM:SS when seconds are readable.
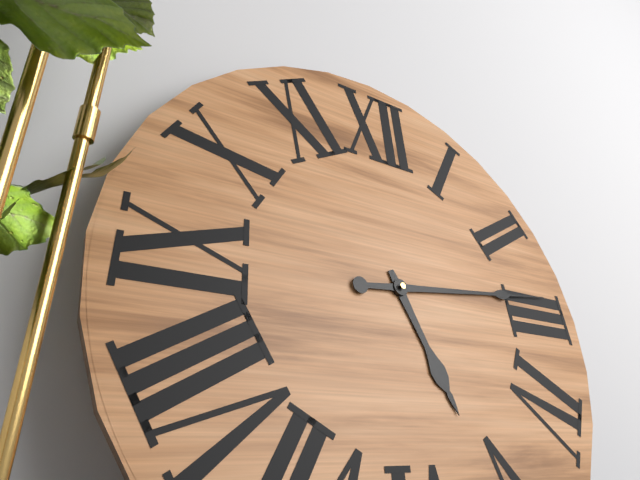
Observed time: **5:14**
